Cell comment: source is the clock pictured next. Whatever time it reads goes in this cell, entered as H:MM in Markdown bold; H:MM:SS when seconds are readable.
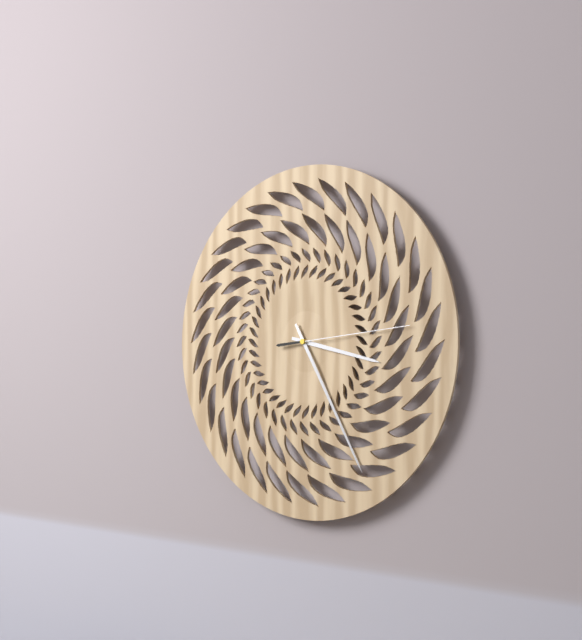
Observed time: **3:25:14**
